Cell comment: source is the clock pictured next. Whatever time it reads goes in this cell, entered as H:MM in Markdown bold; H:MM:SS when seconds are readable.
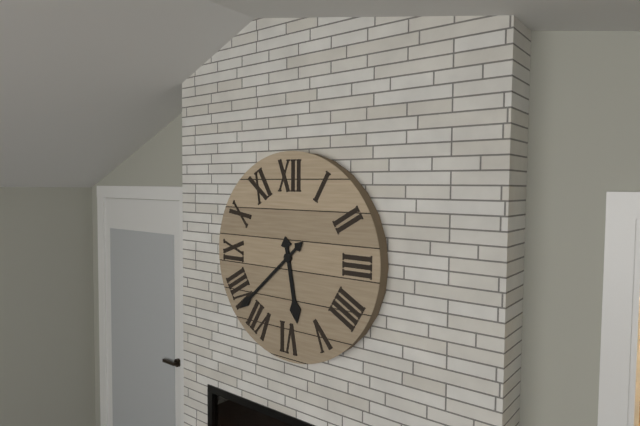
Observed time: **5:38**
